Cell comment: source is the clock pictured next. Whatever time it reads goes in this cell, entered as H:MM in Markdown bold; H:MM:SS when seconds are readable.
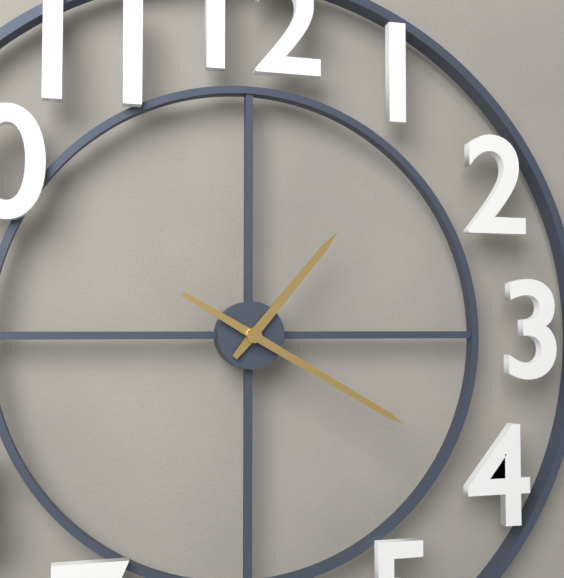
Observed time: **1:20**
